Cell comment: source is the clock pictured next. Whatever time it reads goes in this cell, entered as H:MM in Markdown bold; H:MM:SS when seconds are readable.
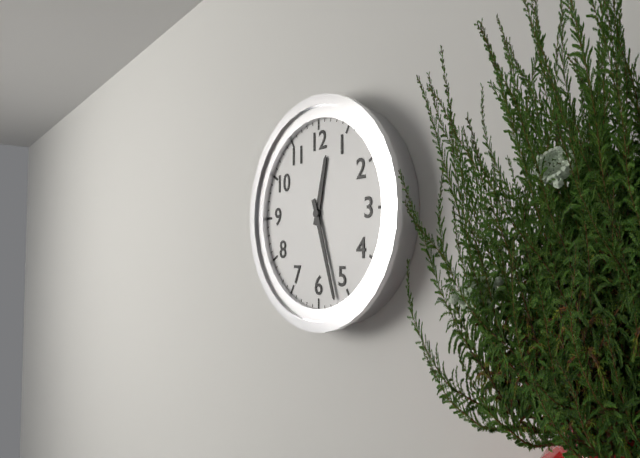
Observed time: **12:27**
